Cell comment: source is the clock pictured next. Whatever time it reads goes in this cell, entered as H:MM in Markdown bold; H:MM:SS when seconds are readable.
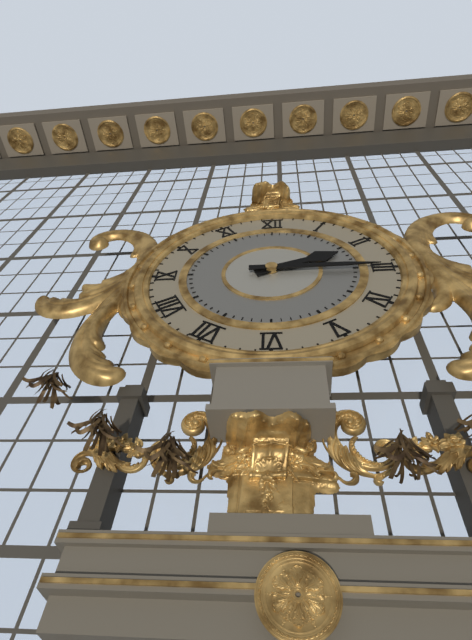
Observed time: **2:15**
